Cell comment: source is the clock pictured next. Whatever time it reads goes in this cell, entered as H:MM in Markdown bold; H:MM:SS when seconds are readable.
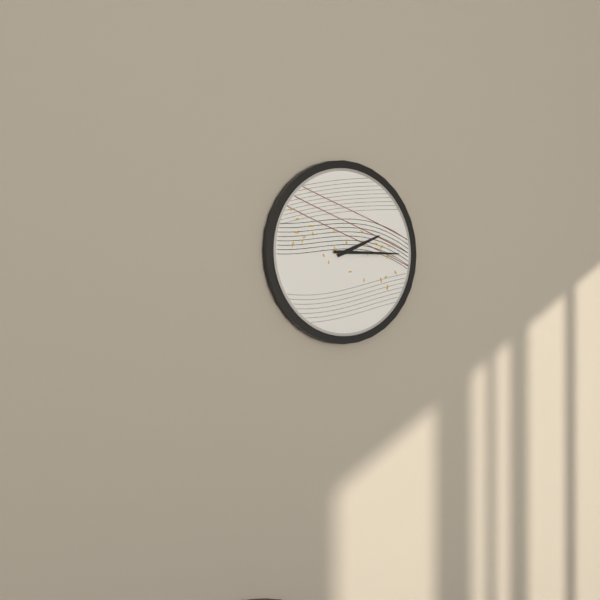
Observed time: **2:15**
